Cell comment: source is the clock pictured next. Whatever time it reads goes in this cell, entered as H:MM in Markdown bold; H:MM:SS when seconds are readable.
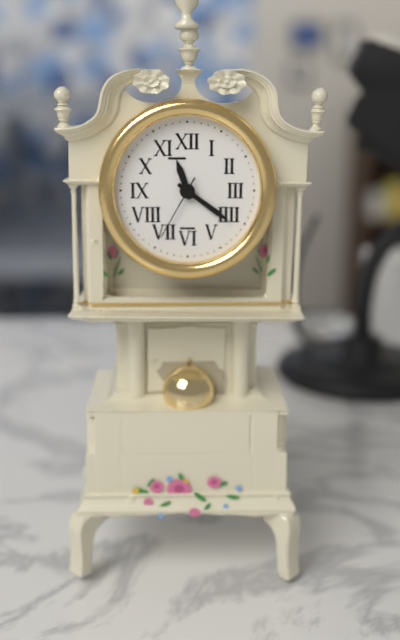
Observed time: **11:21:35**
